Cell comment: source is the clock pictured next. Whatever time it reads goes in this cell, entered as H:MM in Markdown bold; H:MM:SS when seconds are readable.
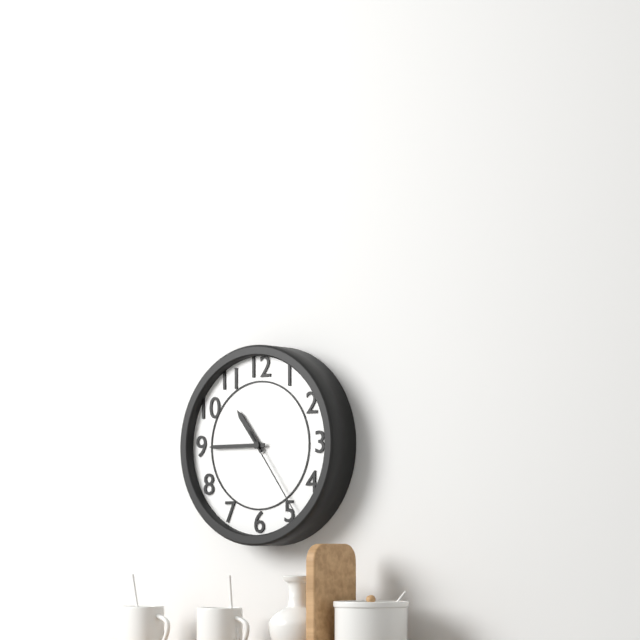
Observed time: **10:45:24**
